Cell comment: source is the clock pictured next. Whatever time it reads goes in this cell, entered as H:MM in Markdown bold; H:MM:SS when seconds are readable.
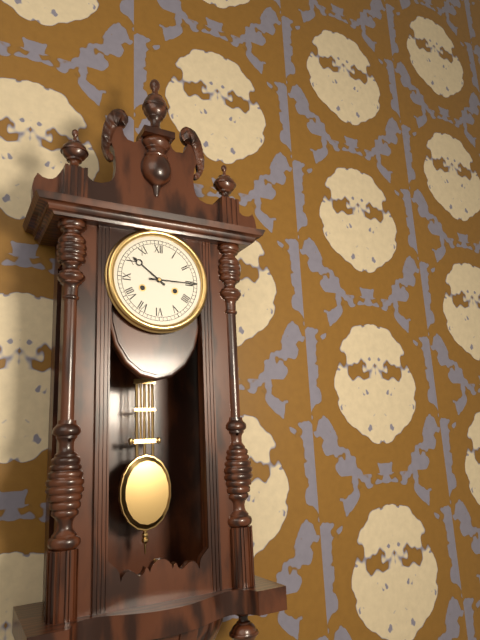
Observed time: **10:15**
